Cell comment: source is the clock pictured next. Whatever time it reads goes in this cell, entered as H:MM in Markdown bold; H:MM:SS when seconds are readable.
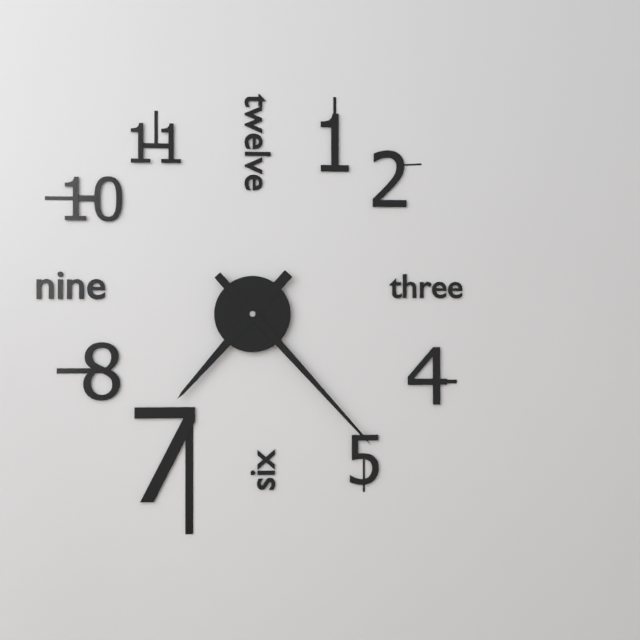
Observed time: **7:23**
